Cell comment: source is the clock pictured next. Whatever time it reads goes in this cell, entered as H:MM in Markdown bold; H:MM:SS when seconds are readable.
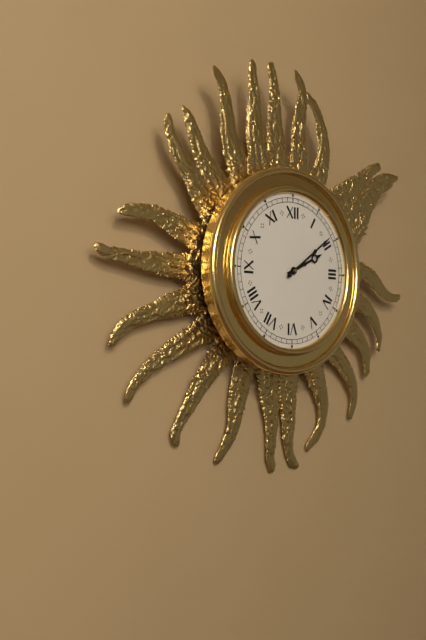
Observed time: **2:09**
